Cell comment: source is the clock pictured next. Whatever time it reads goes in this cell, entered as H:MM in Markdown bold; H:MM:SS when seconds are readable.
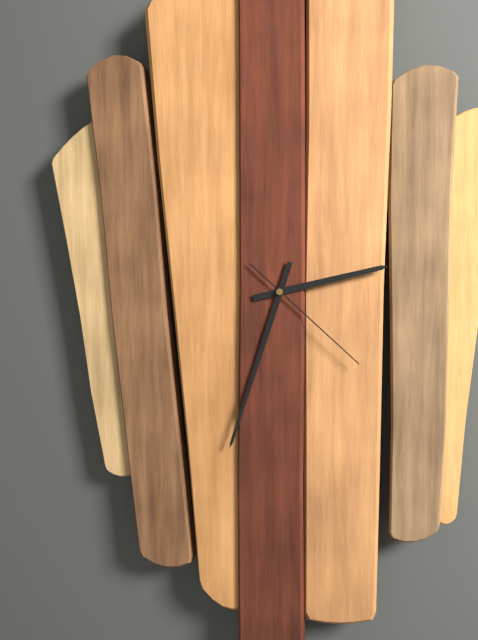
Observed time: **2:33:22**
